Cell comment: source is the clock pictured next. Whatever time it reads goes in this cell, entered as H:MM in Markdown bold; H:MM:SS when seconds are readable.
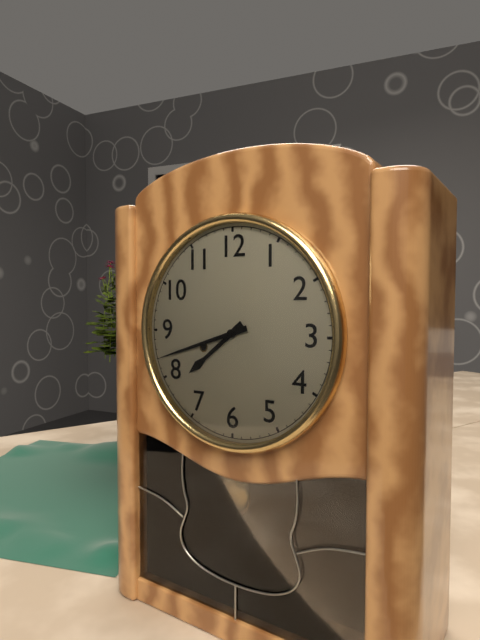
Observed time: **7:42**
